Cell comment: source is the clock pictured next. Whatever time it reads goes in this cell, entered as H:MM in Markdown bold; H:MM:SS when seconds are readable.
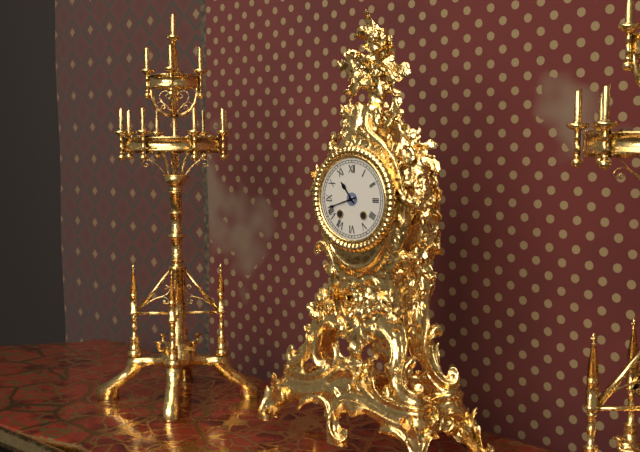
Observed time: **10:42**
